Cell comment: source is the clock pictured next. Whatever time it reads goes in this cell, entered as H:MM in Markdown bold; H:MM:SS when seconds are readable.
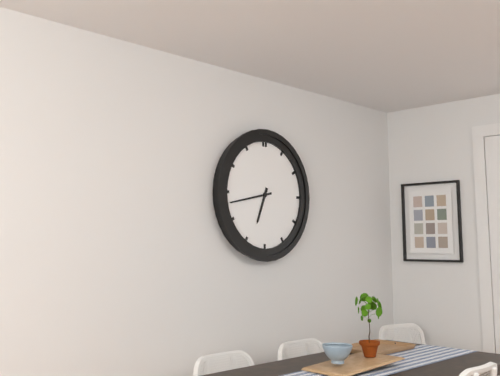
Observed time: **6:43**
